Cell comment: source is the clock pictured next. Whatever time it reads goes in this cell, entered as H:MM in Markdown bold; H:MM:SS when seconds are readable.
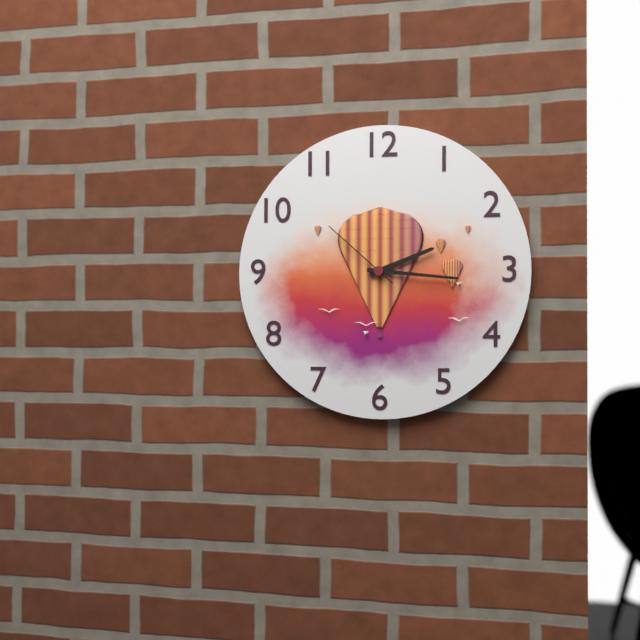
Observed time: **2:16:52**
